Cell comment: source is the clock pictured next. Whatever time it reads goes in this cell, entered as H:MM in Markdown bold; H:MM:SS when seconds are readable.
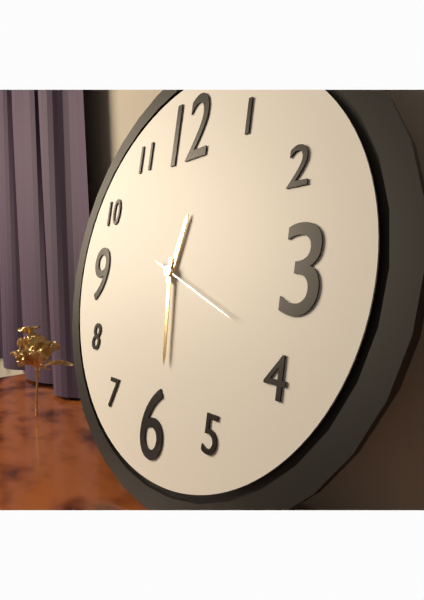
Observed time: **12:29:19**
